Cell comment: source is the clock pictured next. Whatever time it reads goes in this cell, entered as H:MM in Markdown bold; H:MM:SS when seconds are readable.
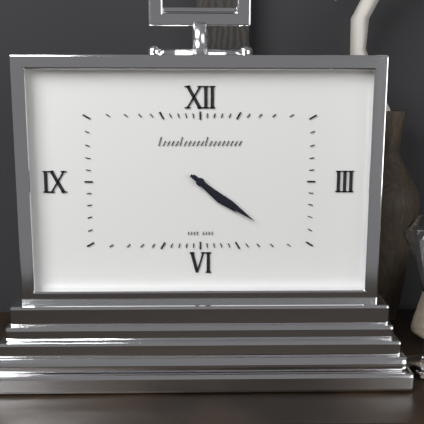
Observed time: **4:21**
